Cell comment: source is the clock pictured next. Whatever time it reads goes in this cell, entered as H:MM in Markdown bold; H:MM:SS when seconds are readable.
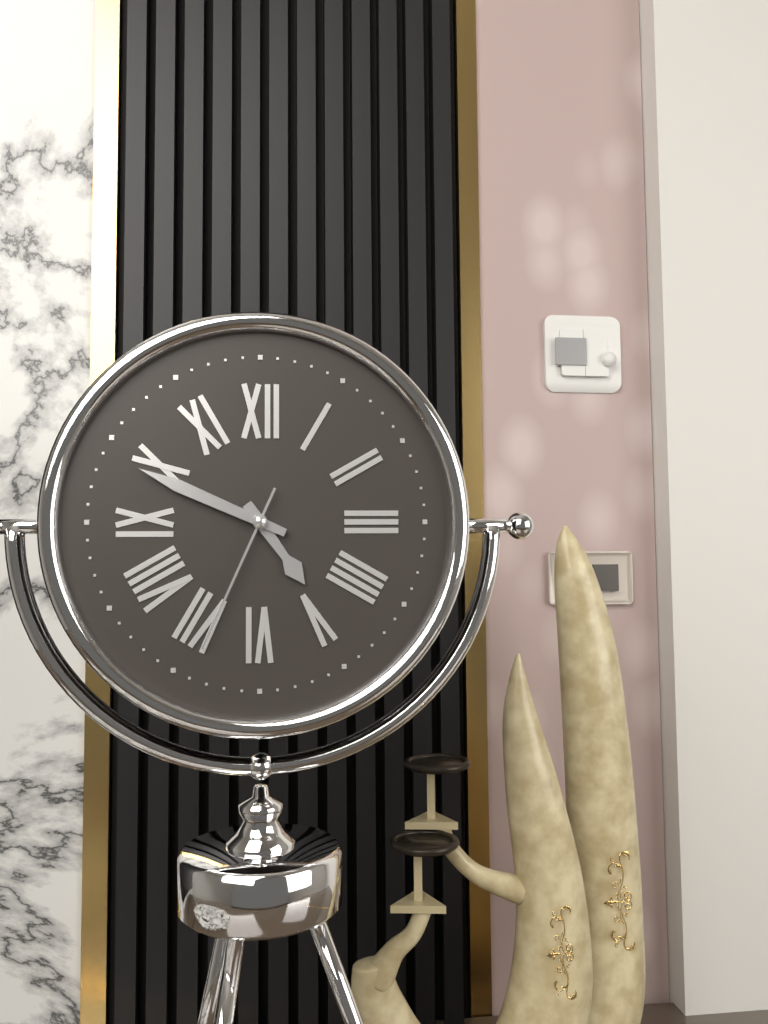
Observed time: **4:49:34**
